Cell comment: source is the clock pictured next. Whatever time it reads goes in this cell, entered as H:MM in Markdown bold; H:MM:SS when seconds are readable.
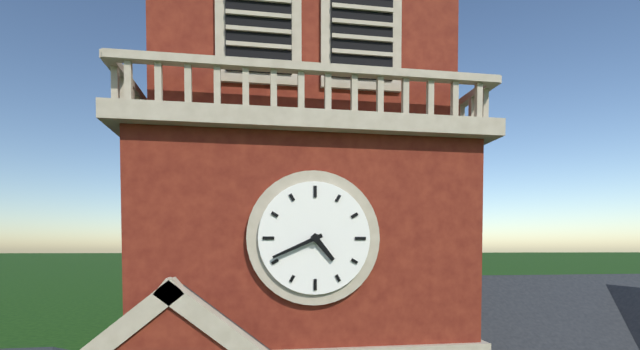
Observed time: **4:41**
